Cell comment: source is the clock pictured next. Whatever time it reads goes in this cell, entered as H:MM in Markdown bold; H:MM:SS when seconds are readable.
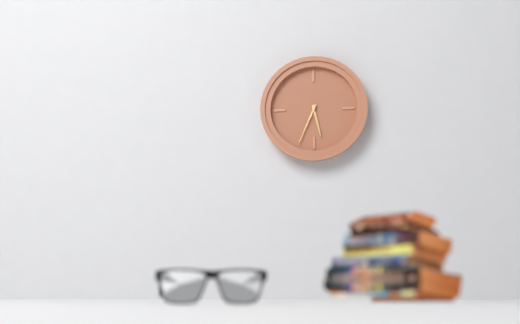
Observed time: **5:34**
